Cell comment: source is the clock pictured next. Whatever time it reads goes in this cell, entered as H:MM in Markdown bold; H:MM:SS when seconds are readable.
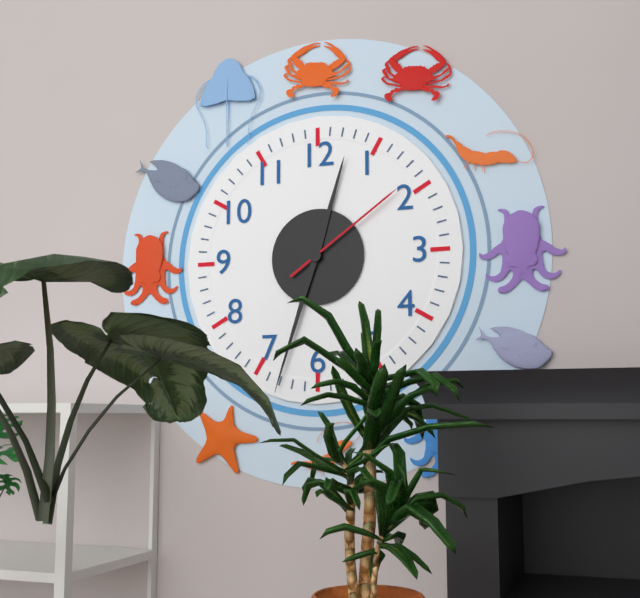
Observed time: **12:33:09**
